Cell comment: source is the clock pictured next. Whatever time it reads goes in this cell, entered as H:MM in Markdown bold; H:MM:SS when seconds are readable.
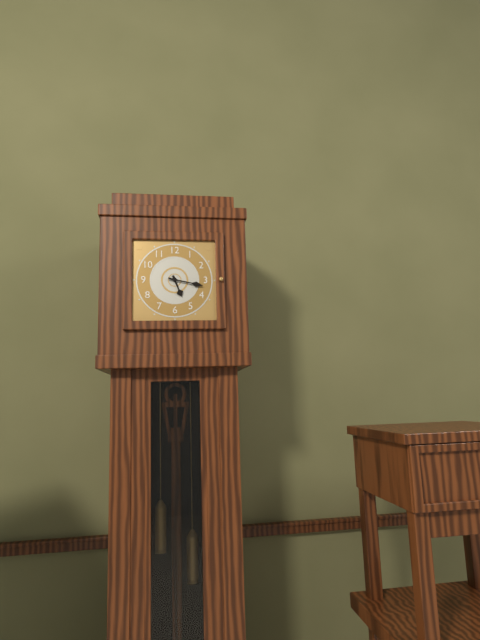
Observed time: **5:17**
